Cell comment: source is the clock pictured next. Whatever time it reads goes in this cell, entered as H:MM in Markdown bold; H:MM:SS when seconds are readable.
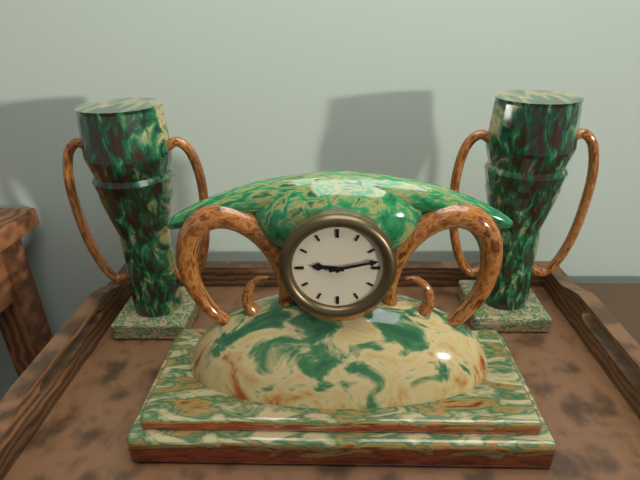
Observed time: **9:13**
